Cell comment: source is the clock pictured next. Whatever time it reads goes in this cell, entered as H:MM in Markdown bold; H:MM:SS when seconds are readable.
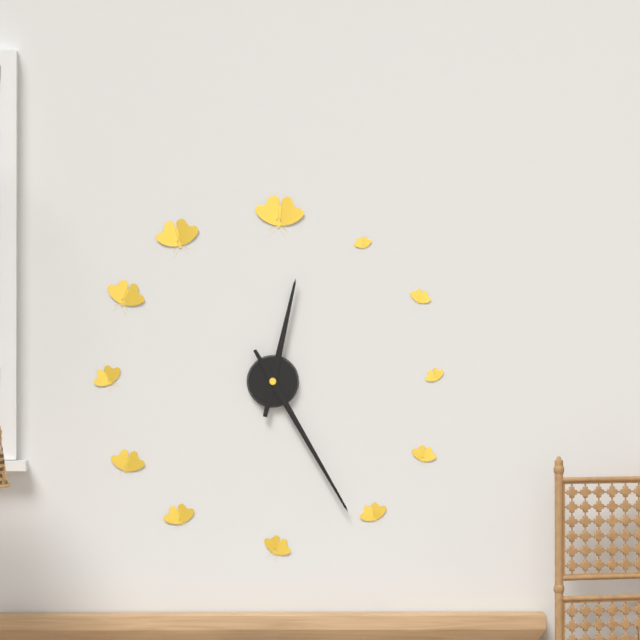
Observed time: **12:25**
